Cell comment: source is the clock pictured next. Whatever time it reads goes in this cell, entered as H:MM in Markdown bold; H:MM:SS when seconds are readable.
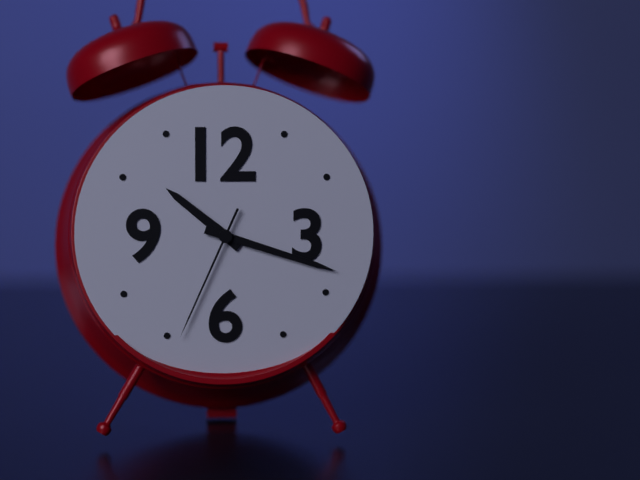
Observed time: **10:18:34**
